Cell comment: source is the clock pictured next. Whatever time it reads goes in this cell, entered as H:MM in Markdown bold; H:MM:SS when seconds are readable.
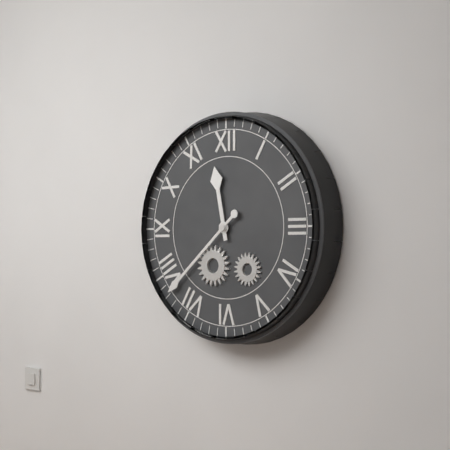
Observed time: **11:38**
